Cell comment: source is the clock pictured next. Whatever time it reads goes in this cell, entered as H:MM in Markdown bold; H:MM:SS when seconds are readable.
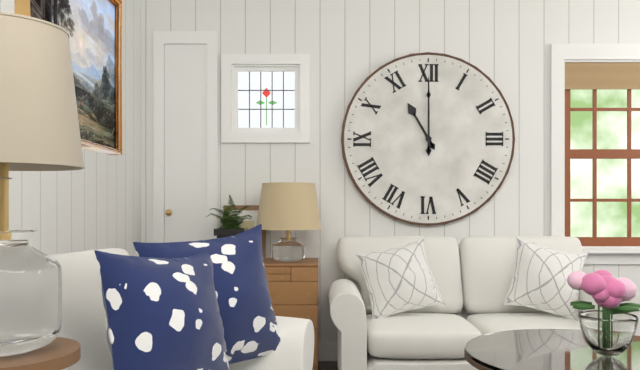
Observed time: **11:00**
